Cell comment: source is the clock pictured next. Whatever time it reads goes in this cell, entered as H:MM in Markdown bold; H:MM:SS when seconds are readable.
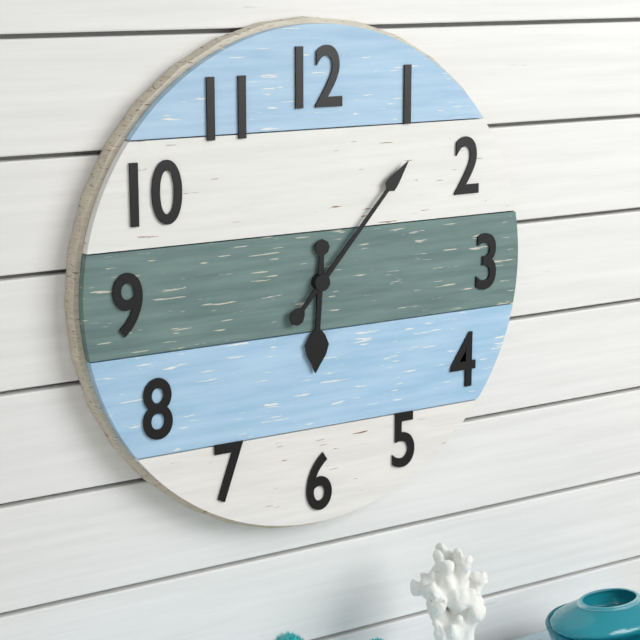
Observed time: **6:07**
